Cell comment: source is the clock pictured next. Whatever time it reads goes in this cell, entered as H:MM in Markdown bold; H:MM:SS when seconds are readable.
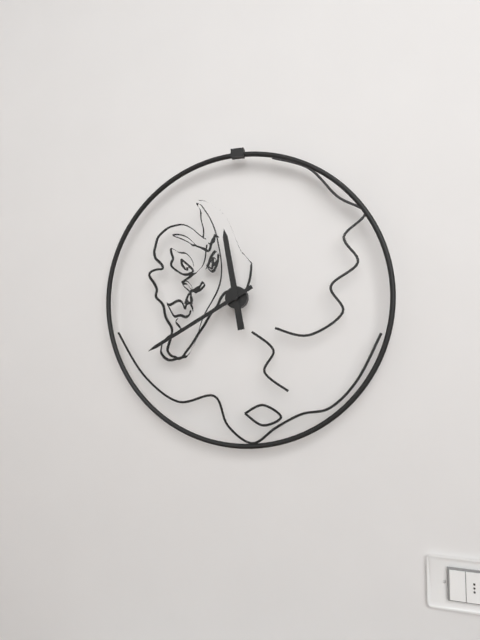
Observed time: **11:40**
